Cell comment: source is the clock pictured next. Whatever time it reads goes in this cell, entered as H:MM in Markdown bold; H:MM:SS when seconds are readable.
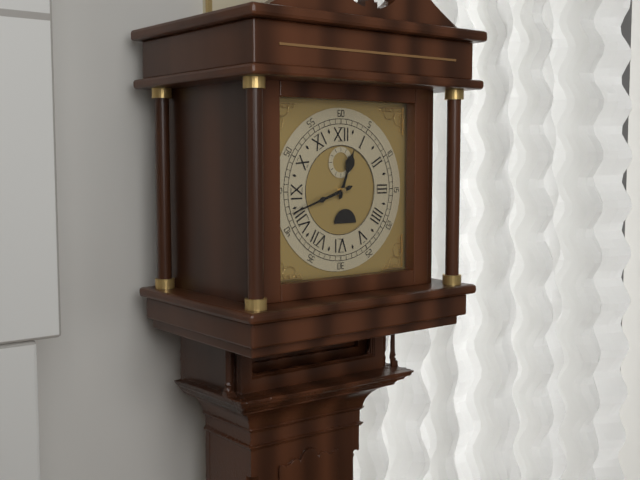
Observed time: **12:42**
